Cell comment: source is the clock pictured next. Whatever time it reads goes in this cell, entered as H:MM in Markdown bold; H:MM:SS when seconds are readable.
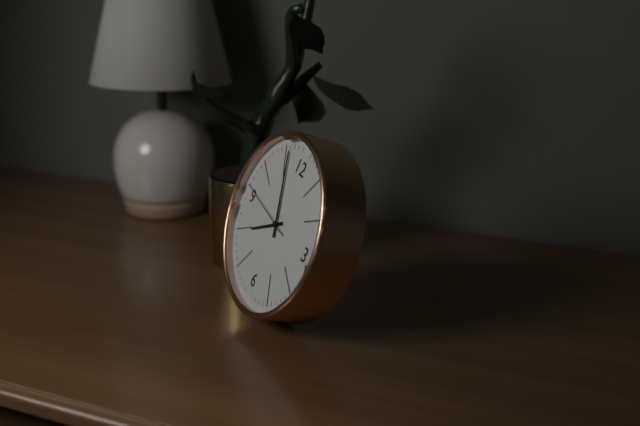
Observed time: **7:56:46**
